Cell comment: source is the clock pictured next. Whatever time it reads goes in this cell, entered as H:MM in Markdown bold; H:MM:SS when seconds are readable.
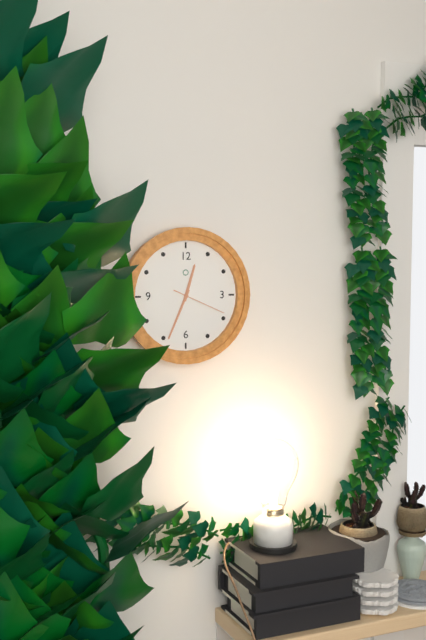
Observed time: **12:34:19**
